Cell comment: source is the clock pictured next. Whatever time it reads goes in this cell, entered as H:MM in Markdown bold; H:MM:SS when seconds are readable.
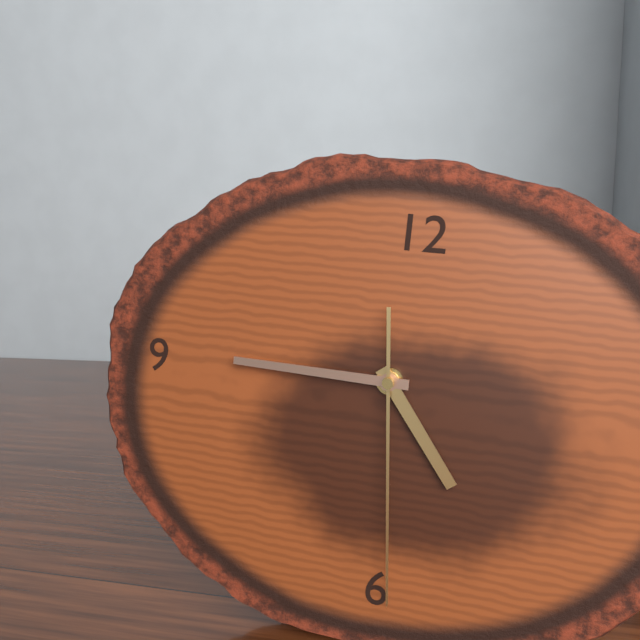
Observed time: **4:45:29**
